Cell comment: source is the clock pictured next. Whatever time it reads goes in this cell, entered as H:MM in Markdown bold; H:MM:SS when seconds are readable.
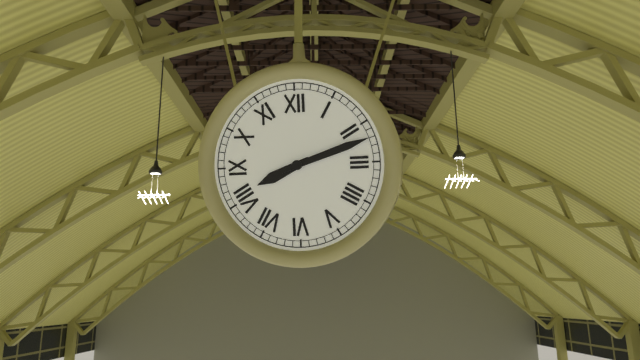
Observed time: **8:12**
